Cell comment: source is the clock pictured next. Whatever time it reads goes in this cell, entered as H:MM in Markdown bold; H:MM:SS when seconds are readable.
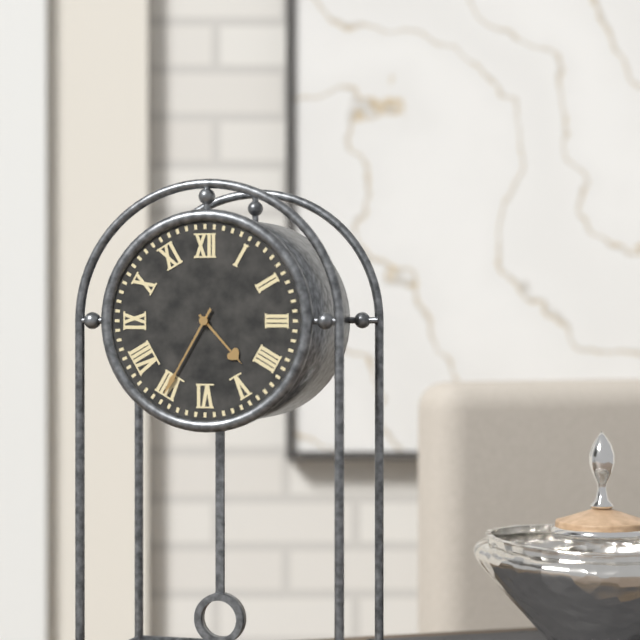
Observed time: **4:35**
